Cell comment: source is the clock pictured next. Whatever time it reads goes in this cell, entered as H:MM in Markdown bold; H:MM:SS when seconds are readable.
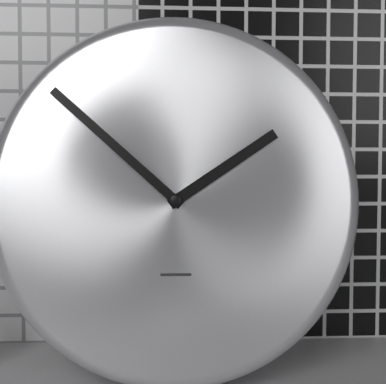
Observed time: **1:52**
